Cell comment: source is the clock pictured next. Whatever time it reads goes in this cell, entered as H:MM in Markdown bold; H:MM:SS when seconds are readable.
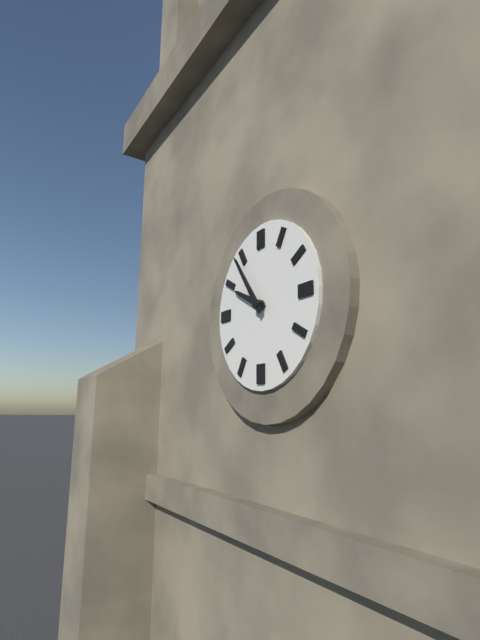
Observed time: **9:54**
